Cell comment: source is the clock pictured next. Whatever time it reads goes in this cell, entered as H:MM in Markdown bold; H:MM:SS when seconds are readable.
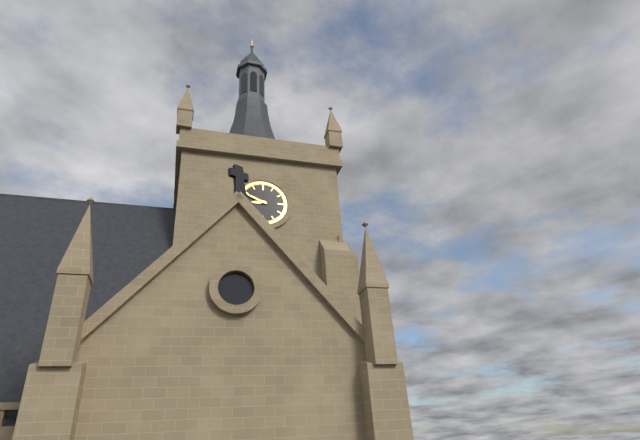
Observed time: **8:49**
